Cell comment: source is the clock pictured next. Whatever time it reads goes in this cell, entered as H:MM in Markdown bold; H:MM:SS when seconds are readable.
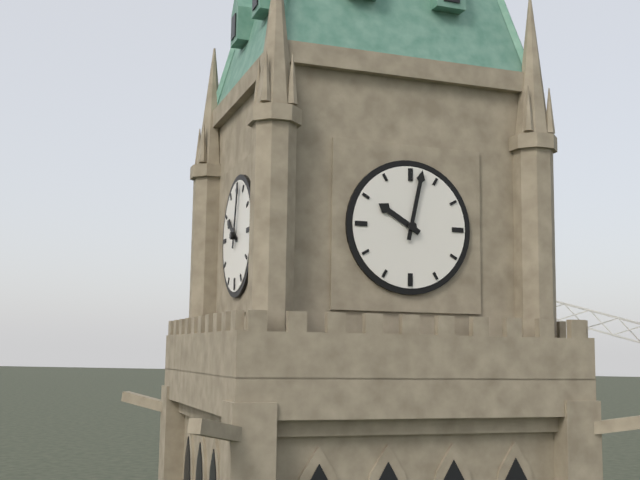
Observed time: **10:02**
